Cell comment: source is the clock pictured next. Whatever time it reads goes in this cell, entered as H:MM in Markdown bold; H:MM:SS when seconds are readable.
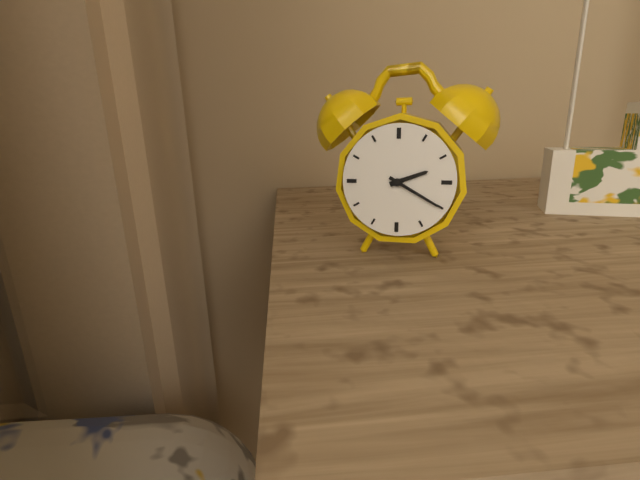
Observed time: **2:20**
